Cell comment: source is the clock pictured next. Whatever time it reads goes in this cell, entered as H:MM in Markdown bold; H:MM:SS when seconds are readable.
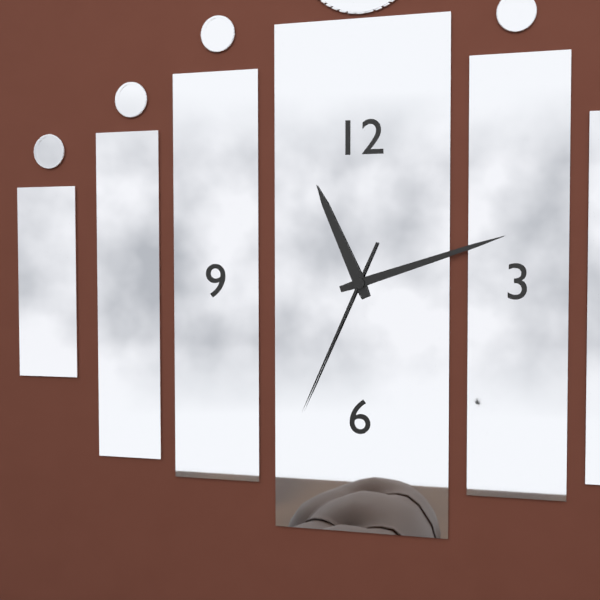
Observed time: **11:12:34**
